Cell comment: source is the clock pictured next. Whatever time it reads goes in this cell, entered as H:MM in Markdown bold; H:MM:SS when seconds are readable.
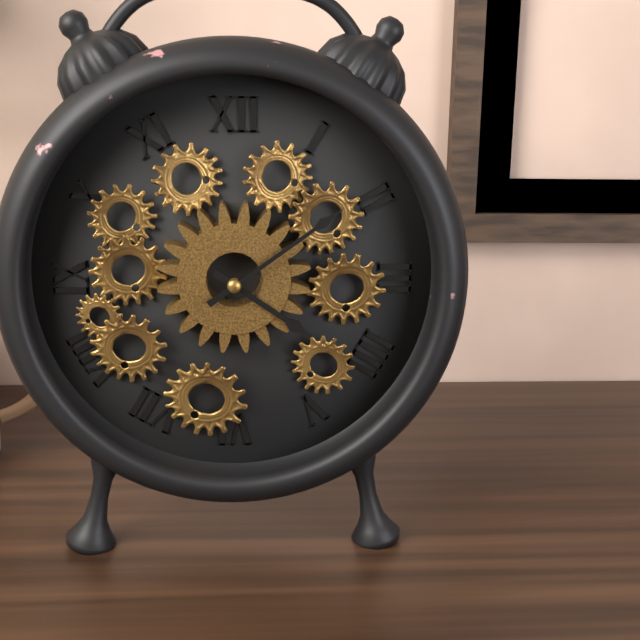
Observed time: **4:09**
